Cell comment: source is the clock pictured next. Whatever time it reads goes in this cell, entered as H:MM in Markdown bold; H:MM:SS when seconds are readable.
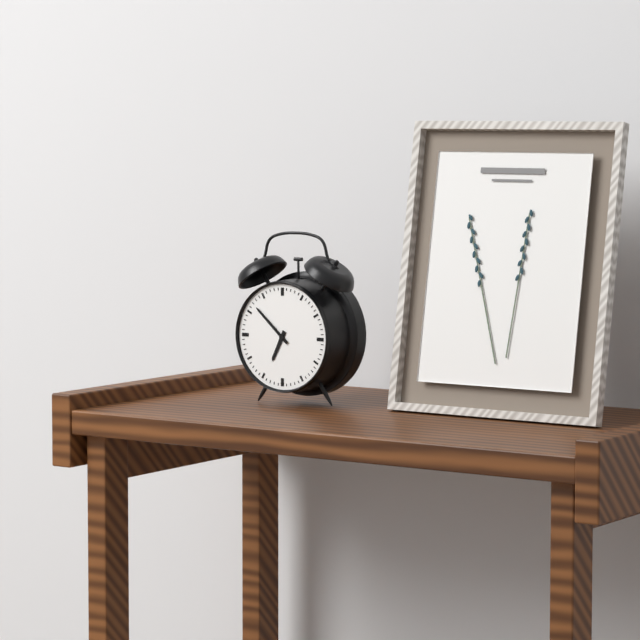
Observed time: **6:52**
